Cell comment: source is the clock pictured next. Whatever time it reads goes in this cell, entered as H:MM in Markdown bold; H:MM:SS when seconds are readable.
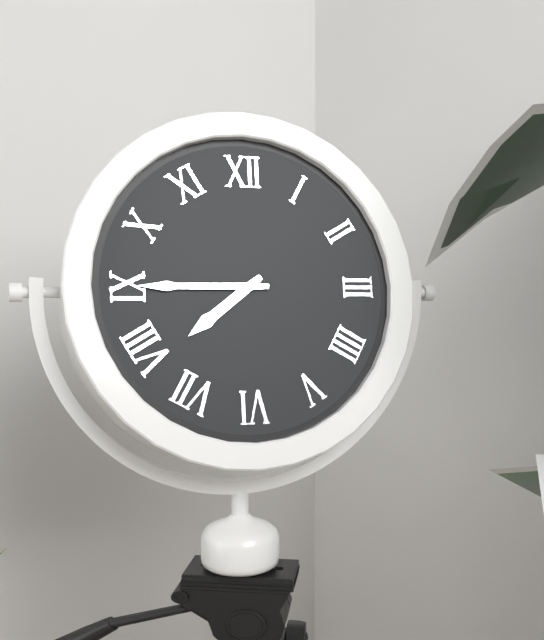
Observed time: **7:45**
